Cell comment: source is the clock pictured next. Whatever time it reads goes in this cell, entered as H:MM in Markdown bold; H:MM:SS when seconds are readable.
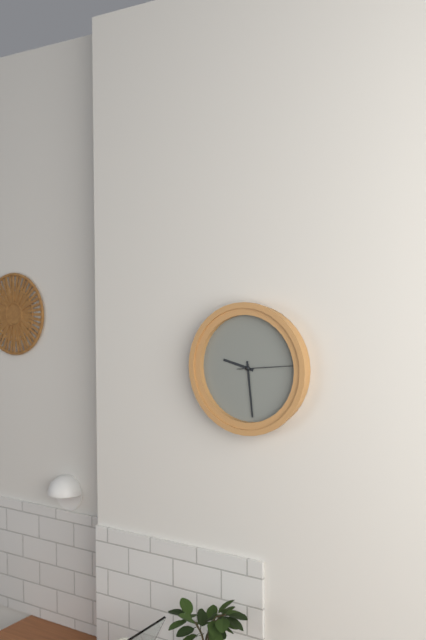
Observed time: **9:29:14**
